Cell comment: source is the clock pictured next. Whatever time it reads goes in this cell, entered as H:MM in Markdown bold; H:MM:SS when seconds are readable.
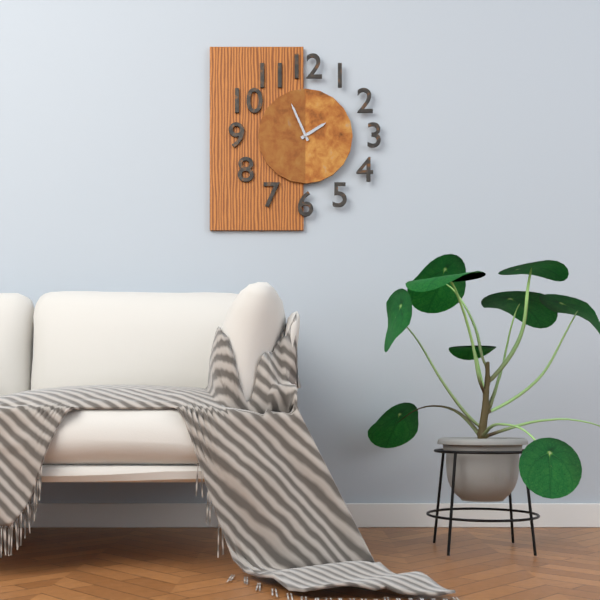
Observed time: **1:56**
